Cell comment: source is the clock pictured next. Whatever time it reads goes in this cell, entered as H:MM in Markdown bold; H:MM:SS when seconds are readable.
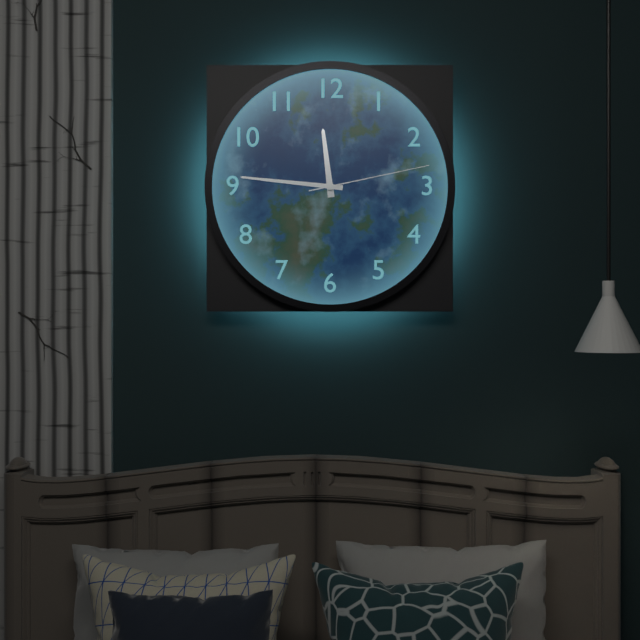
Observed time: **11:46:13**
